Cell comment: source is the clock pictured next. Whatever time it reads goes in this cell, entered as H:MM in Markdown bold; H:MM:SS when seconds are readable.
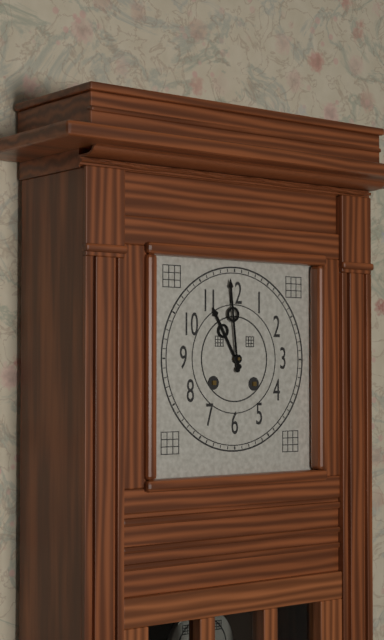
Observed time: **10:59**
